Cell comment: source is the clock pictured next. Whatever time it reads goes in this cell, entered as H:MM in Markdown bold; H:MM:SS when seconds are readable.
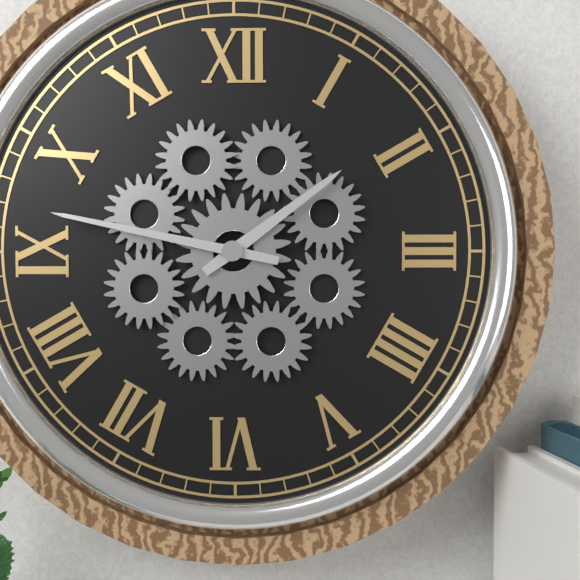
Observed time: **1:47**
